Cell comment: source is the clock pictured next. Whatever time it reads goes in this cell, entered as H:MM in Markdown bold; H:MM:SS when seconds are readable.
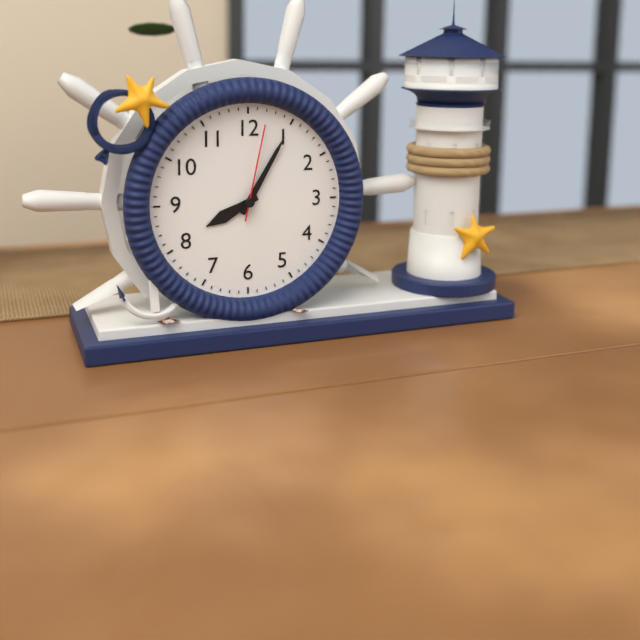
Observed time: **8:05:02**
